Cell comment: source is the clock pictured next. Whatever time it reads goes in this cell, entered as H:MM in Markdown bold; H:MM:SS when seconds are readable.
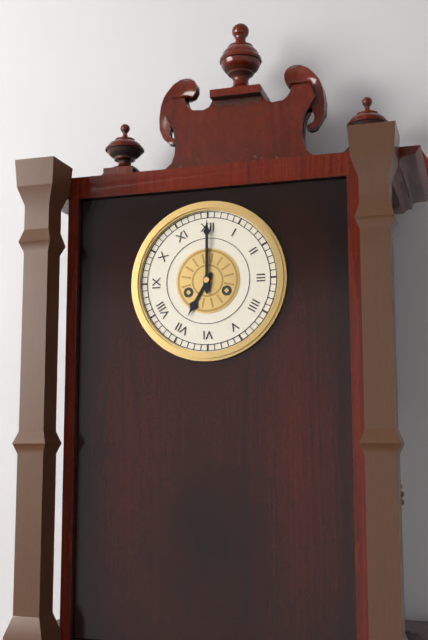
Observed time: **7:00**
